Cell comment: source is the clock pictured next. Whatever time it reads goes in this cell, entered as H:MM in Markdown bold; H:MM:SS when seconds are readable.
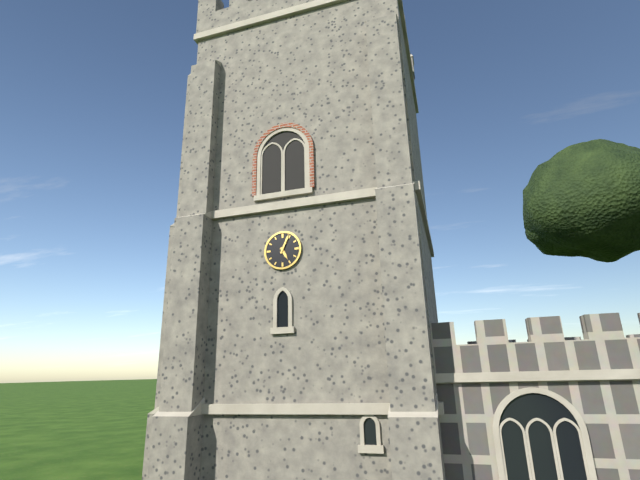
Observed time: **5:04**
